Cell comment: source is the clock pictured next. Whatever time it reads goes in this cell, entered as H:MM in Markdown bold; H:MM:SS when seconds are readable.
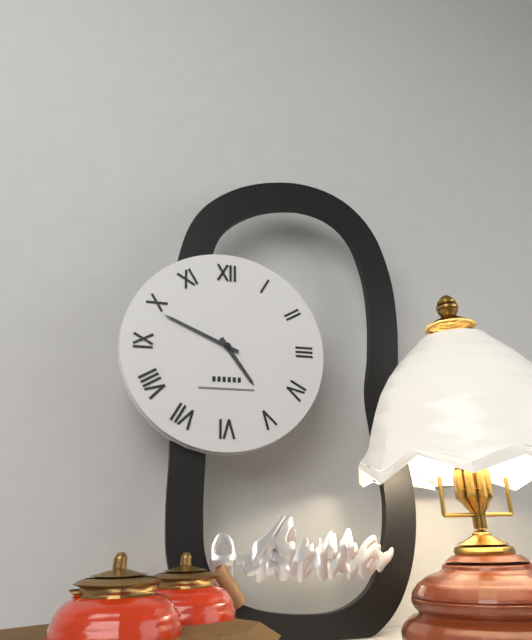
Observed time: **4:49**
